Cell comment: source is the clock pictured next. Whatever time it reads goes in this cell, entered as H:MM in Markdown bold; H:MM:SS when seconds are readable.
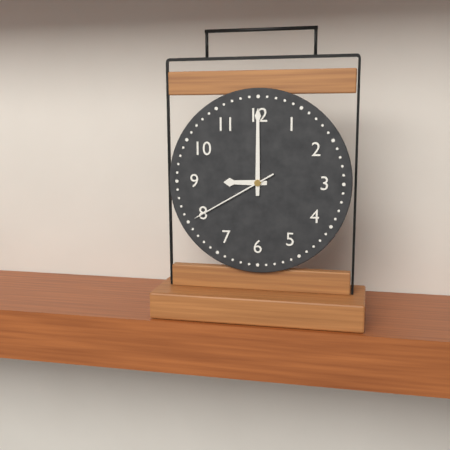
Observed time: **9:00:40**
